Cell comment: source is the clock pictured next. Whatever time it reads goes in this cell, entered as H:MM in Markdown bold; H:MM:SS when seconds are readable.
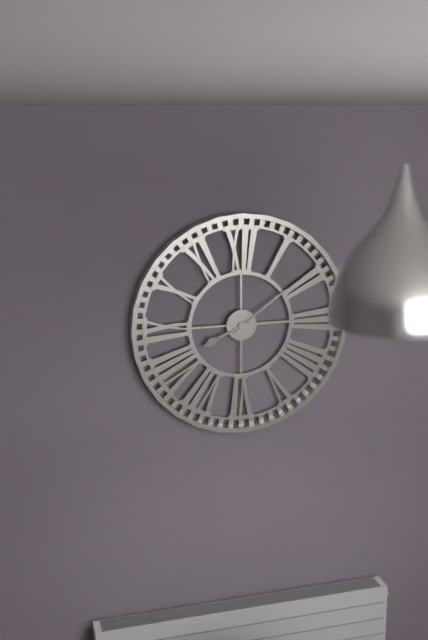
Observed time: **8:09**
